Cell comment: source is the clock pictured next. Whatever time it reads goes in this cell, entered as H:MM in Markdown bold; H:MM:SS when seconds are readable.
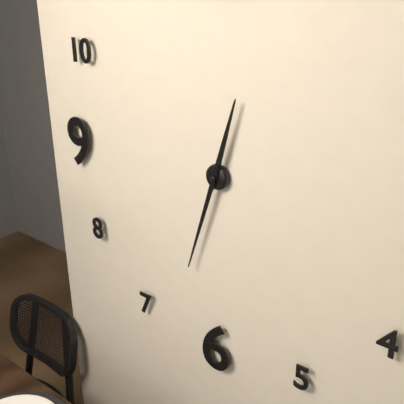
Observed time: **12:33**
